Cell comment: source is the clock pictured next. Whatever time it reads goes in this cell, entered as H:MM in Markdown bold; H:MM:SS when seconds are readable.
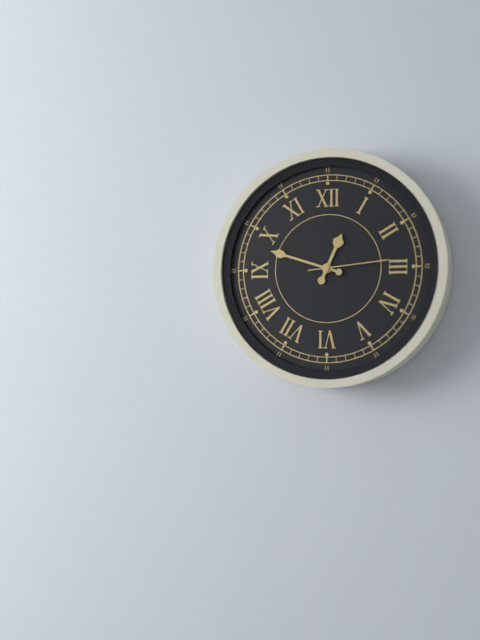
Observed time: **12:48:14**
